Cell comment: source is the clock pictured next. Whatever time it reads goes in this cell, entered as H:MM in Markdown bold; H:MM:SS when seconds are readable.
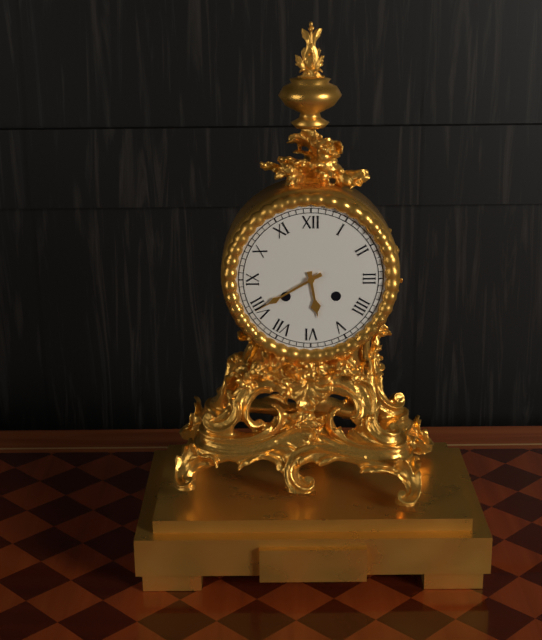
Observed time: **5:40**
